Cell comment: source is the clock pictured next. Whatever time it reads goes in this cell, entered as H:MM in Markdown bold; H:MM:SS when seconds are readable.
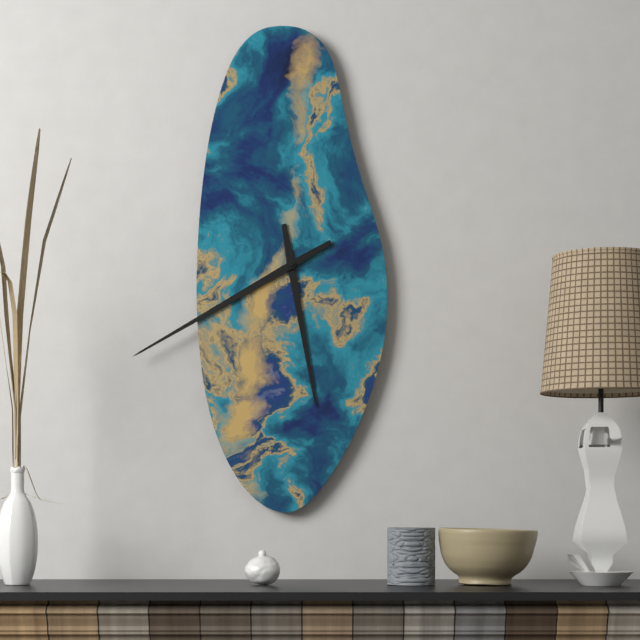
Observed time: **5:40**
